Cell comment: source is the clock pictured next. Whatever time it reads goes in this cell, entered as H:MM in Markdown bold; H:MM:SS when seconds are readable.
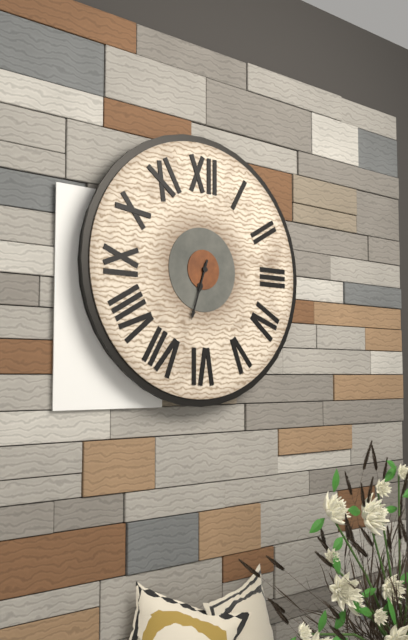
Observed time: **6:33**
